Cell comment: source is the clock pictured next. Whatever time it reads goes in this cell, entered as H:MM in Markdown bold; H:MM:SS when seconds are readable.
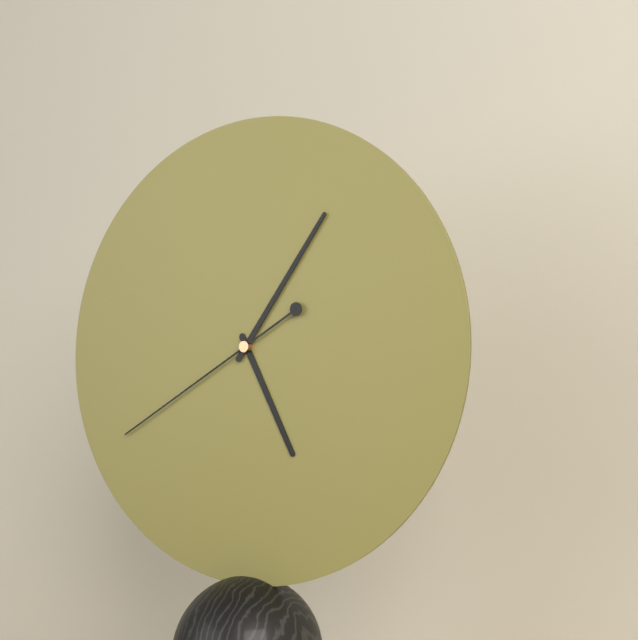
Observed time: **5:06:40**
